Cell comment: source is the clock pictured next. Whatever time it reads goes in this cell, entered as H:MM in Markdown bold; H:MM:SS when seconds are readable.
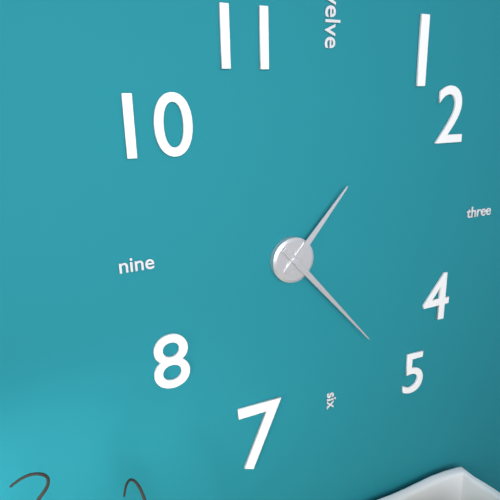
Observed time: **1:23**
